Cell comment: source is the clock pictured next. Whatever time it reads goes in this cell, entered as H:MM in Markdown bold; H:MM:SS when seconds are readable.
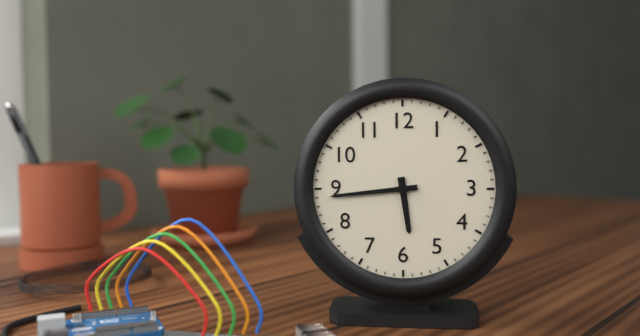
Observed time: **5:44**
